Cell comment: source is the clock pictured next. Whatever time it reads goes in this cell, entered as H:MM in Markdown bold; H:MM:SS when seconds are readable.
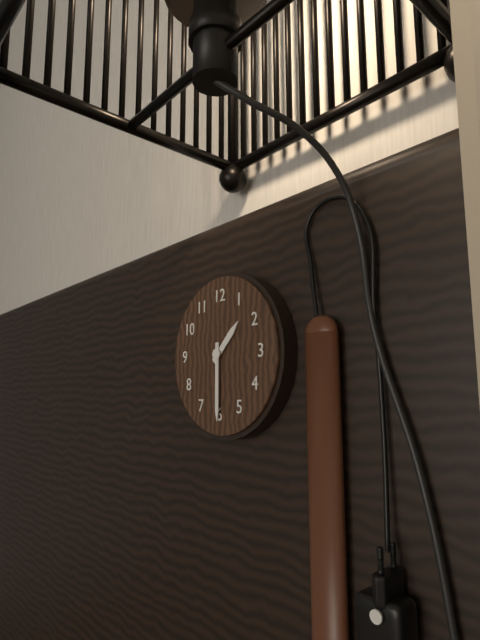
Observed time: **1:30**
